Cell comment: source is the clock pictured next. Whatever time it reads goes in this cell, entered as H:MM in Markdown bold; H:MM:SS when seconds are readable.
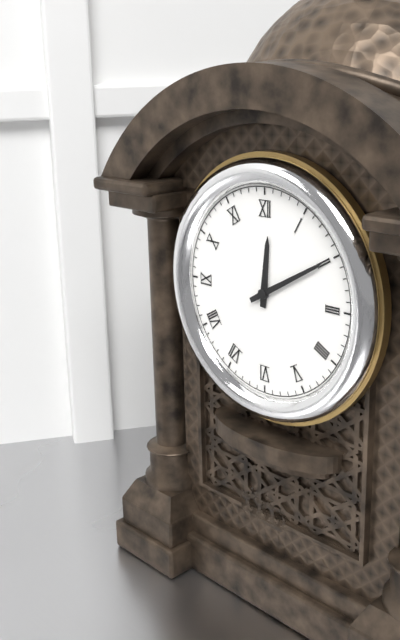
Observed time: **12:10**
